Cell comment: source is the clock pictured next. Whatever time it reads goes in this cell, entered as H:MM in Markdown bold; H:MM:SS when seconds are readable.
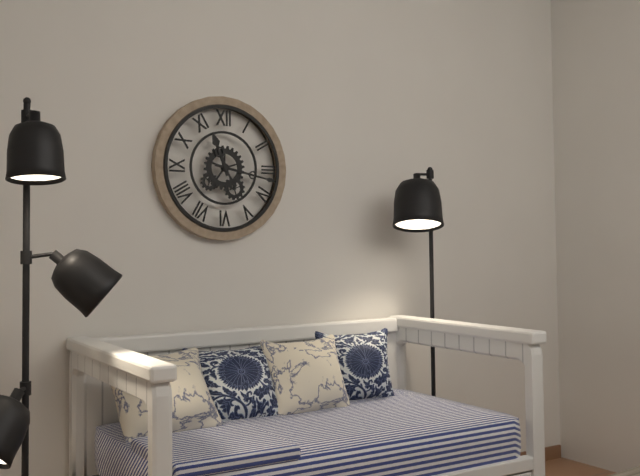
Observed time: **11:17**
